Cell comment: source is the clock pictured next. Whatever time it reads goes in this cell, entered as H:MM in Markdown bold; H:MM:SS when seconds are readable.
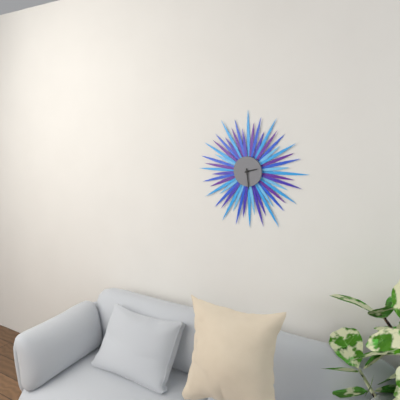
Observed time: **2:29**
